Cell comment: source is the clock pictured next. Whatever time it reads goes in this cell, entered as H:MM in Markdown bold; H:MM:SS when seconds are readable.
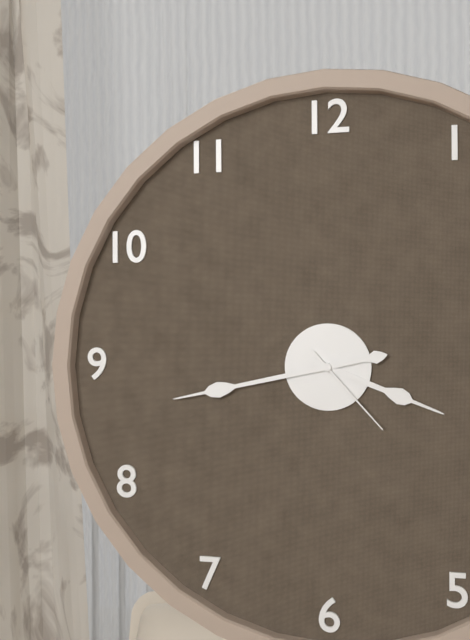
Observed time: **3:43:23**
